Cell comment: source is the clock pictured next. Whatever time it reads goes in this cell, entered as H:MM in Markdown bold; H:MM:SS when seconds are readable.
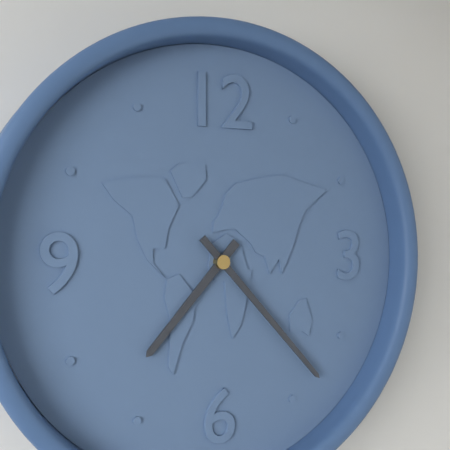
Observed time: **7:23**
